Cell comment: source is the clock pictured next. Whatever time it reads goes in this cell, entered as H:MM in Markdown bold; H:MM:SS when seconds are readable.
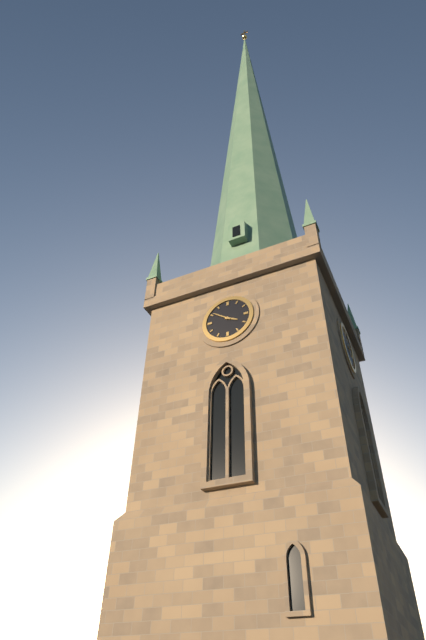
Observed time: **3:51**
